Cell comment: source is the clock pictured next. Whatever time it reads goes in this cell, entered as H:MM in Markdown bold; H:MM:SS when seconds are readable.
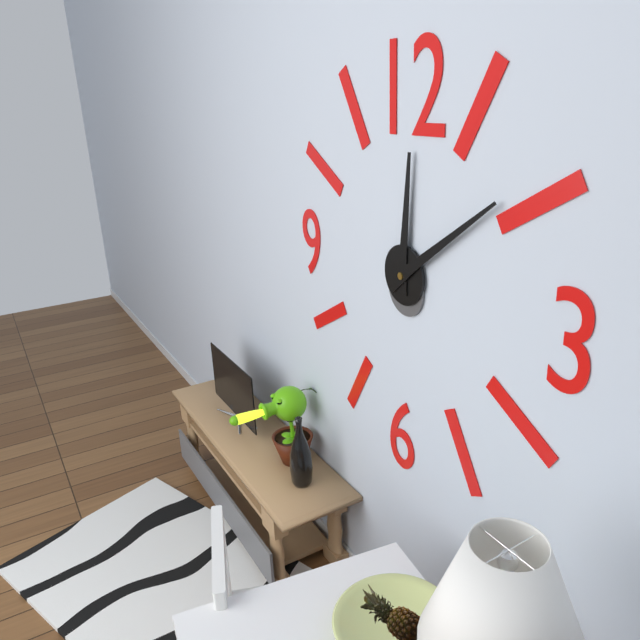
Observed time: **12:09**
